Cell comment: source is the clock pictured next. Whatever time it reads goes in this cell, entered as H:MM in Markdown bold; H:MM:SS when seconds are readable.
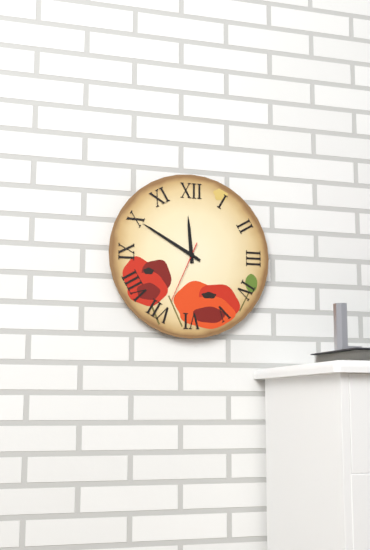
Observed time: **11:50:34**
